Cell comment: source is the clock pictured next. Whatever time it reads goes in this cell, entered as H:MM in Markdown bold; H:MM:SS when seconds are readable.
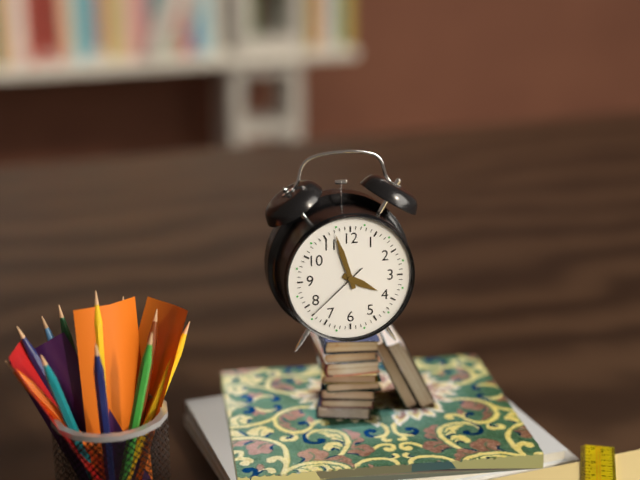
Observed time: **3:57:38**
